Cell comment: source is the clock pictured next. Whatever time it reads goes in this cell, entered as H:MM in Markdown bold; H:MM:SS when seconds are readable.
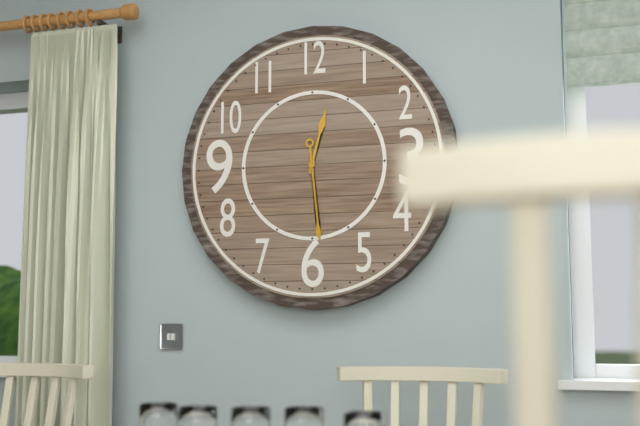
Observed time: **12:29**
